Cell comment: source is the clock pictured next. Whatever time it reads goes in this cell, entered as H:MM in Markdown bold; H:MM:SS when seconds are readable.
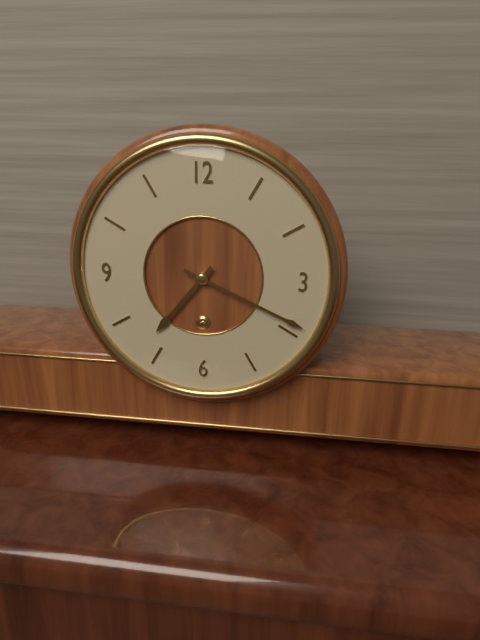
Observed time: **7:19**
